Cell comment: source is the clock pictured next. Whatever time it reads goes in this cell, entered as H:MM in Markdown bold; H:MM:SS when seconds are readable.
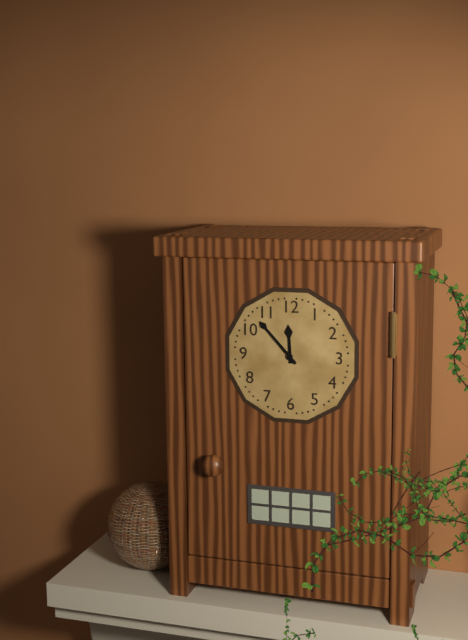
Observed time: **11:53**
